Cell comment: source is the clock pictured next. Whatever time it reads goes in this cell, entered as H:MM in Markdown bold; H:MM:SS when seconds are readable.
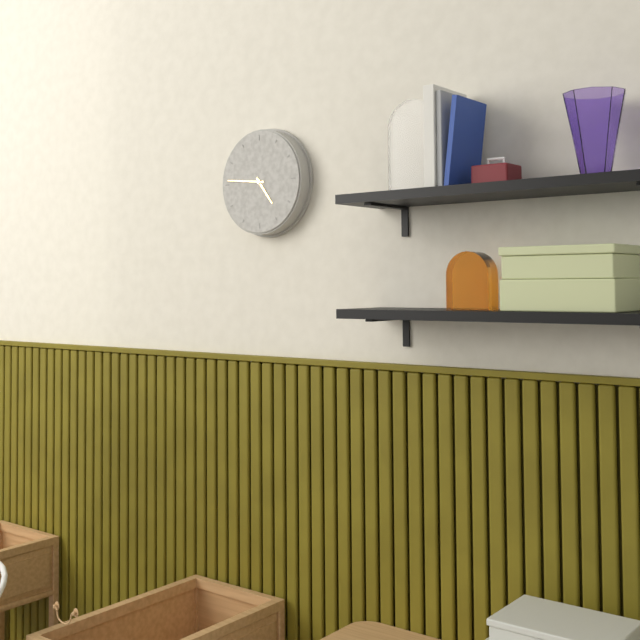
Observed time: **4:46**
